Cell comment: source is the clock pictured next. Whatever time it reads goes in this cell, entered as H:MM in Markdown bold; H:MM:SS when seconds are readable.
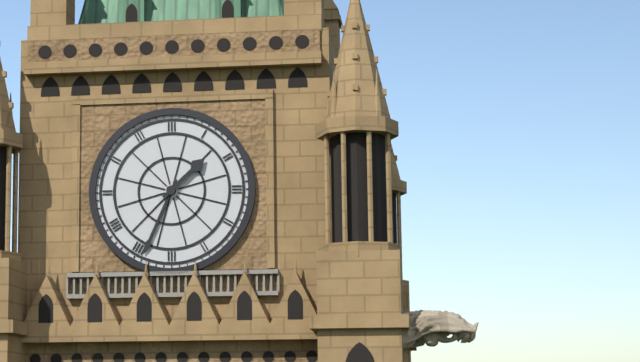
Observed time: **1:34**
